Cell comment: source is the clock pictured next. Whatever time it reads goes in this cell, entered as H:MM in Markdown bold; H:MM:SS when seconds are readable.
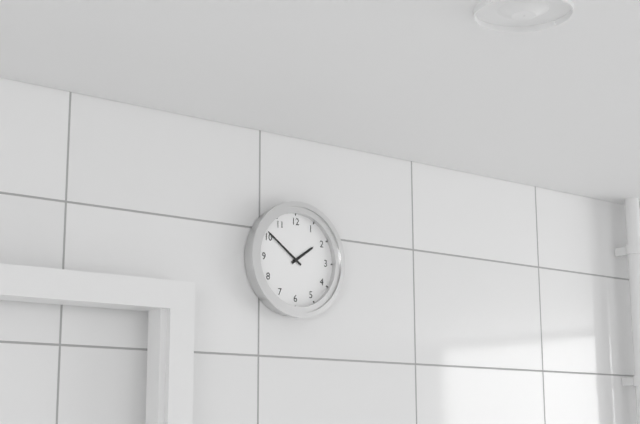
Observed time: **1:51**
